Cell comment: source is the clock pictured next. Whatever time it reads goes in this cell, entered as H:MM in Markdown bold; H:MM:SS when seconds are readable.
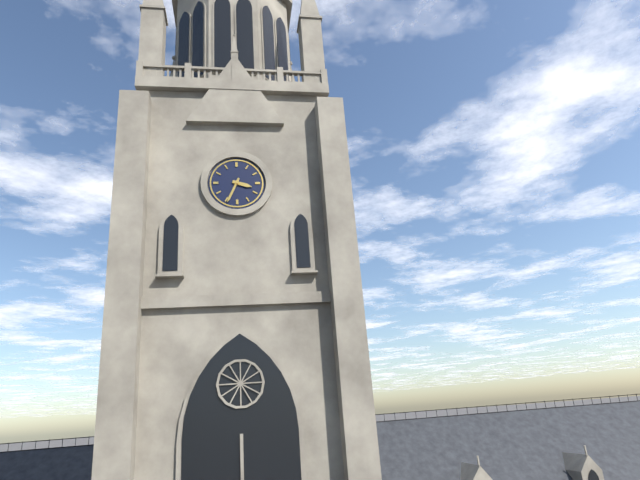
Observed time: **3:34**
